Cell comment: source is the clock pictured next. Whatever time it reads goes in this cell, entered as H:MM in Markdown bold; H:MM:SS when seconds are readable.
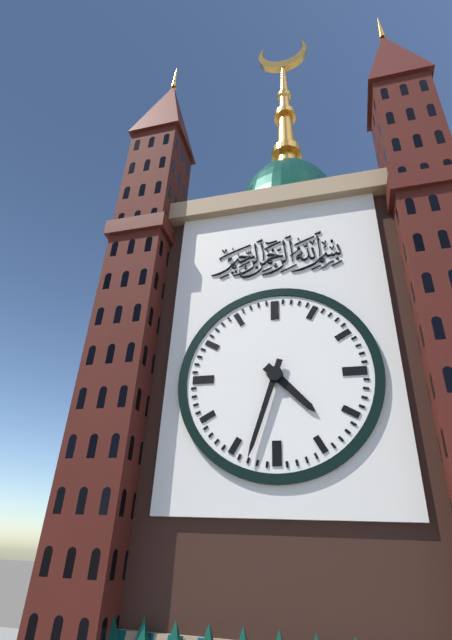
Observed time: **4:33**
